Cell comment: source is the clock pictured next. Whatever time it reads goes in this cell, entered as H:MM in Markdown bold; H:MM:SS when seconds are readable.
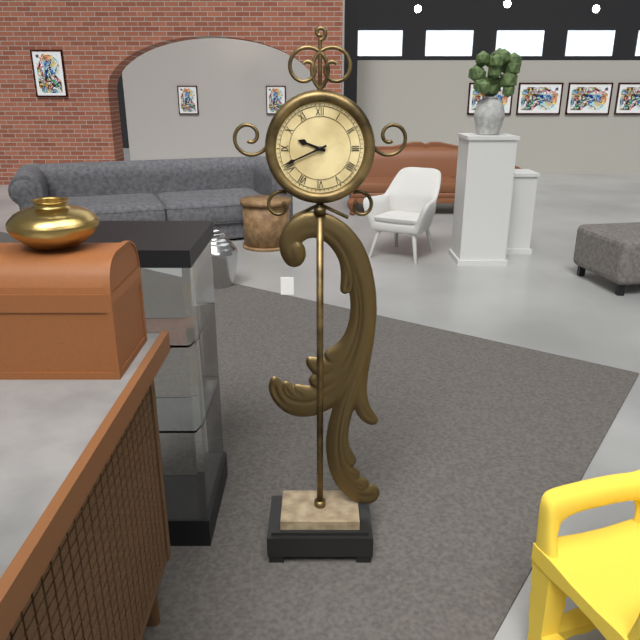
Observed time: **9:41**
